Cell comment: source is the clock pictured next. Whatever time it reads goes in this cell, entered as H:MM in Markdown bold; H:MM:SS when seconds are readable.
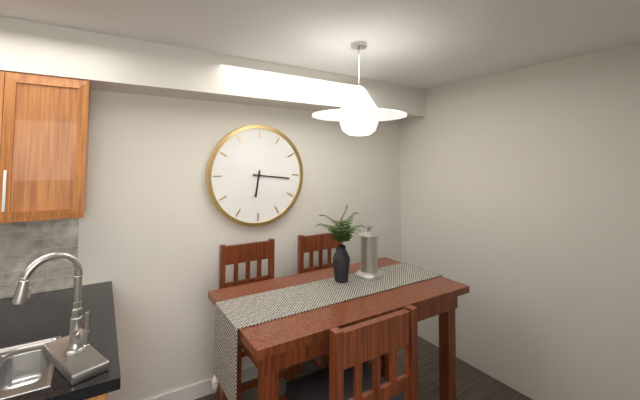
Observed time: **6:16**
